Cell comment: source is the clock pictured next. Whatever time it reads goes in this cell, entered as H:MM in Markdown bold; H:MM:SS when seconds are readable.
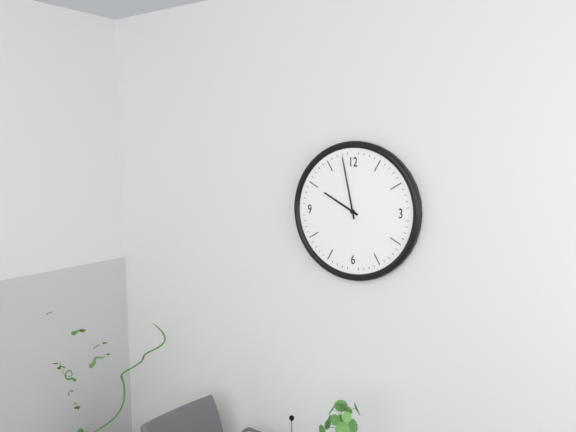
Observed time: **9:58**
